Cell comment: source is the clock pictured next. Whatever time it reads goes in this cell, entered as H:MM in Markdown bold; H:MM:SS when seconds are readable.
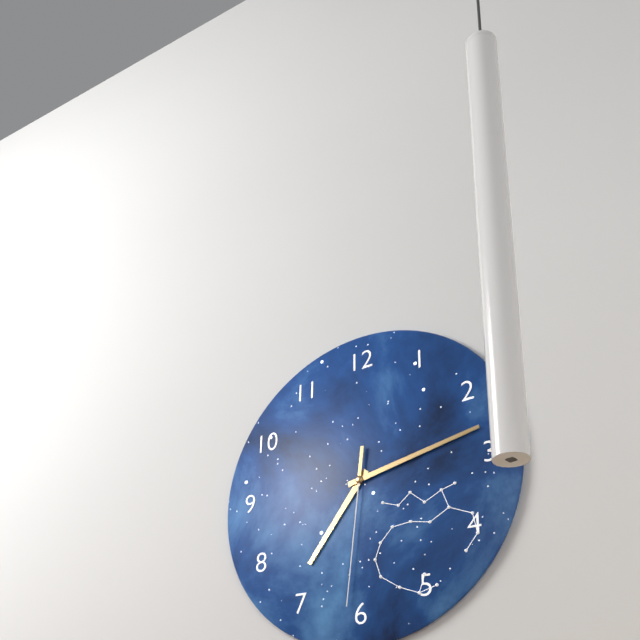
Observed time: **7:13:31**
